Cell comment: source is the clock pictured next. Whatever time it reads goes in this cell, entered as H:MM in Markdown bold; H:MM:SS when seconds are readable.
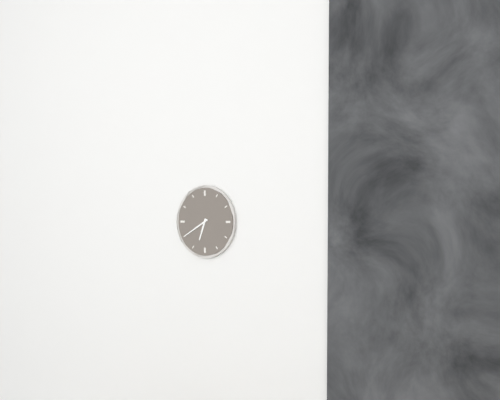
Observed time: **6:40**
